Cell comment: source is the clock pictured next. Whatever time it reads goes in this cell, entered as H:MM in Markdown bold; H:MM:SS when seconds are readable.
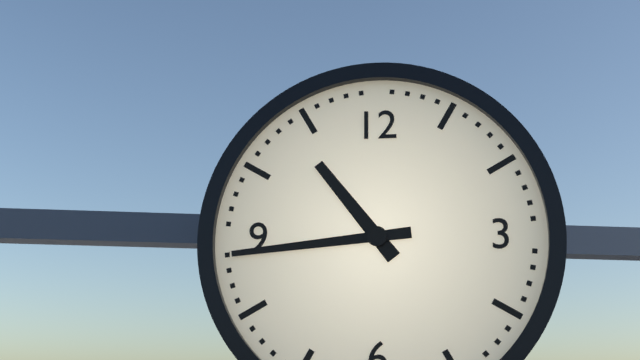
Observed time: **10:44**
